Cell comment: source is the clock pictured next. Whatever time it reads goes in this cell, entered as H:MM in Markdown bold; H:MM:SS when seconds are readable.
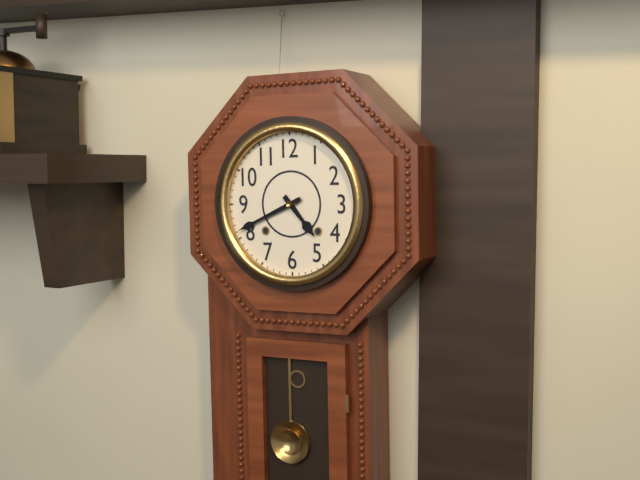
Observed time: **4:41**
